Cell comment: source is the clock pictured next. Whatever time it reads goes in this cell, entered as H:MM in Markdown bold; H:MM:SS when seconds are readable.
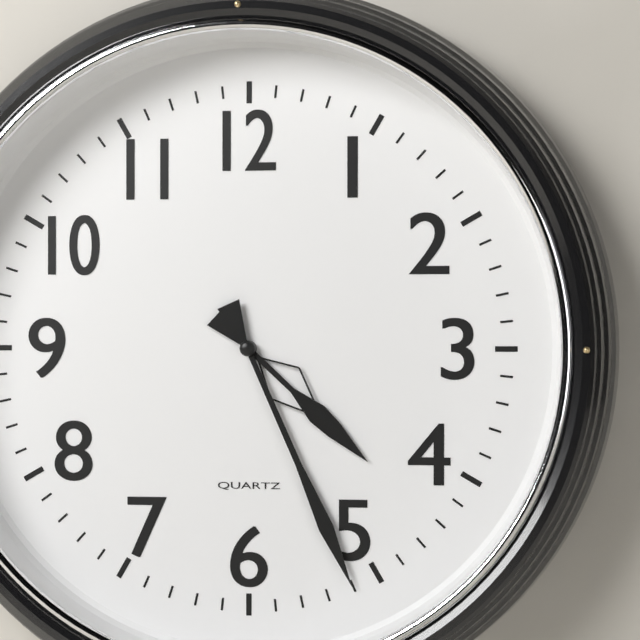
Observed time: **4:26**
